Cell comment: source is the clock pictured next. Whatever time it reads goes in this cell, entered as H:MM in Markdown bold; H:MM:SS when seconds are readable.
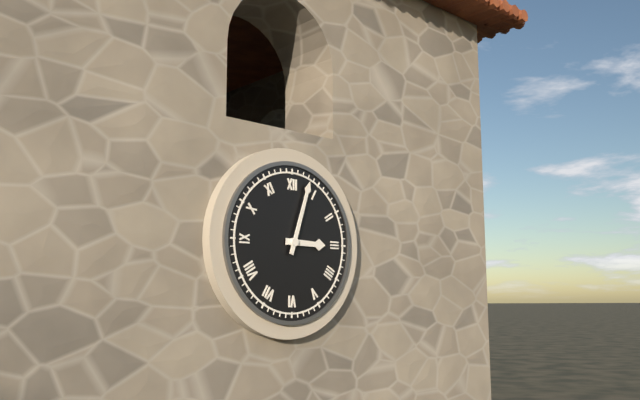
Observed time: **3:03**
